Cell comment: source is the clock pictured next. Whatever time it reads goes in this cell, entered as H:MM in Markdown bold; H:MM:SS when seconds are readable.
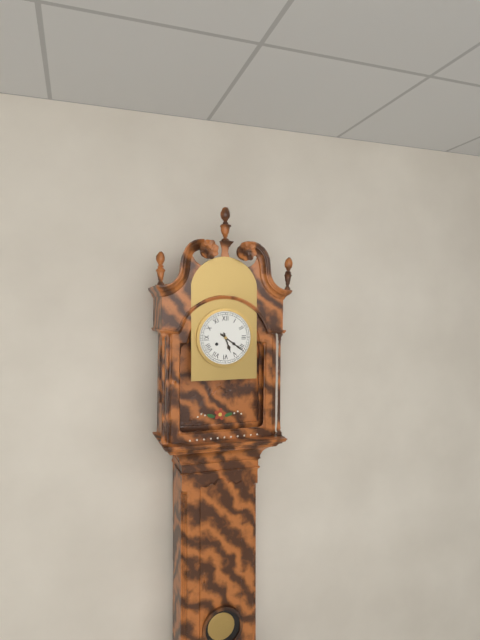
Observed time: **5:21**
